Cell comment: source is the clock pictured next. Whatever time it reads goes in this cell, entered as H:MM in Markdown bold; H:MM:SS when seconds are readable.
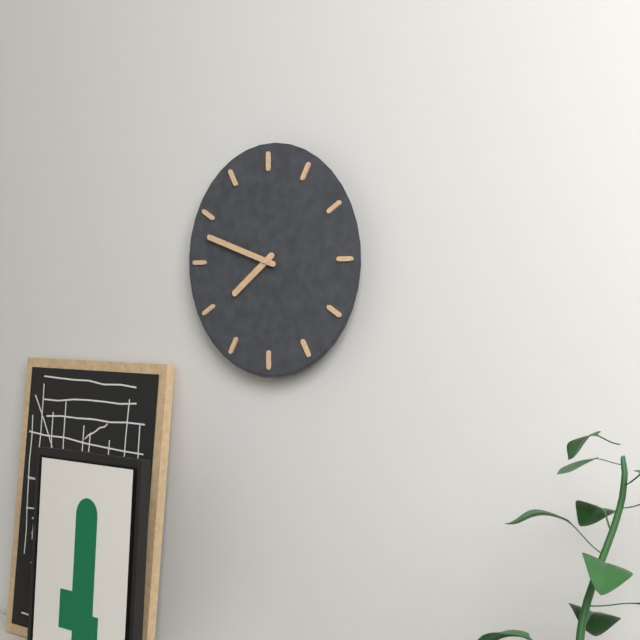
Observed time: **7:48**
